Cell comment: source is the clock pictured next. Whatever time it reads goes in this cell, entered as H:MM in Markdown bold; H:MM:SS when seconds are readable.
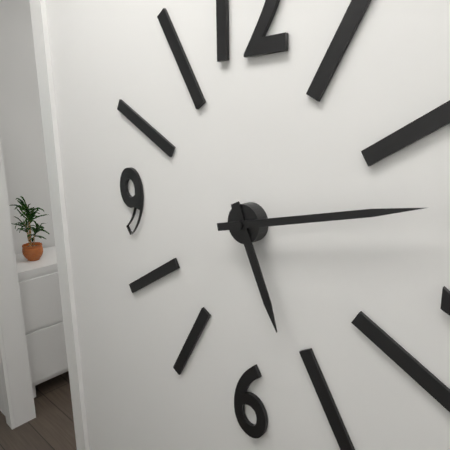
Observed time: **5:13**
